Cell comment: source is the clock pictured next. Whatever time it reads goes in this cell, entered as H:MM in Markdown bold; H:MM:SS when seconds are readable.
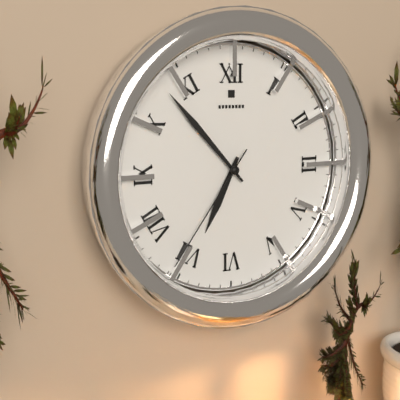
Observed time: **6:53:36**
